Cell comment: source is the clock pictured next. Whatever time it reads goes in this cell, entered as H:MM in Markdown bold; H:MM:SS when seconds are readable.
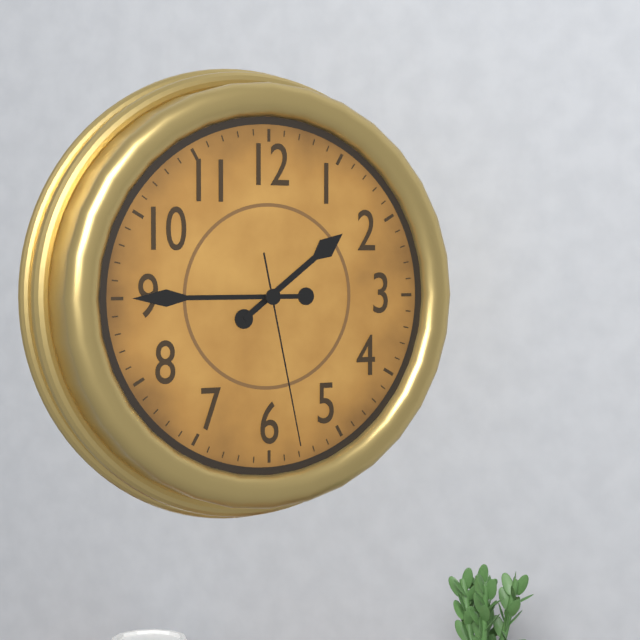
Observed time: **1:45:28**
